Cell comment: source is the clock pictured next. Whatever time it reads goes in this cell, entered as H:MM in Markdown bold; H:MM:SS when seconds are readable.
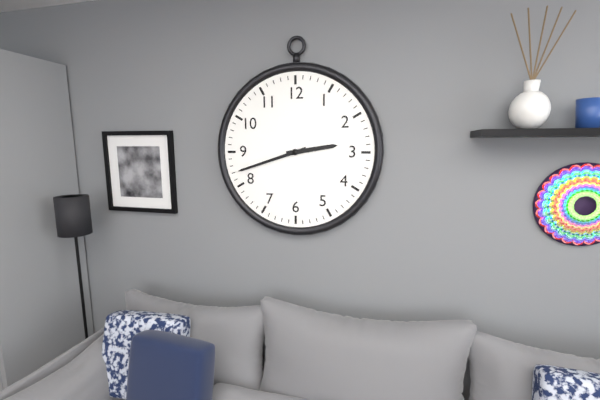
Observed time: **2:42**
